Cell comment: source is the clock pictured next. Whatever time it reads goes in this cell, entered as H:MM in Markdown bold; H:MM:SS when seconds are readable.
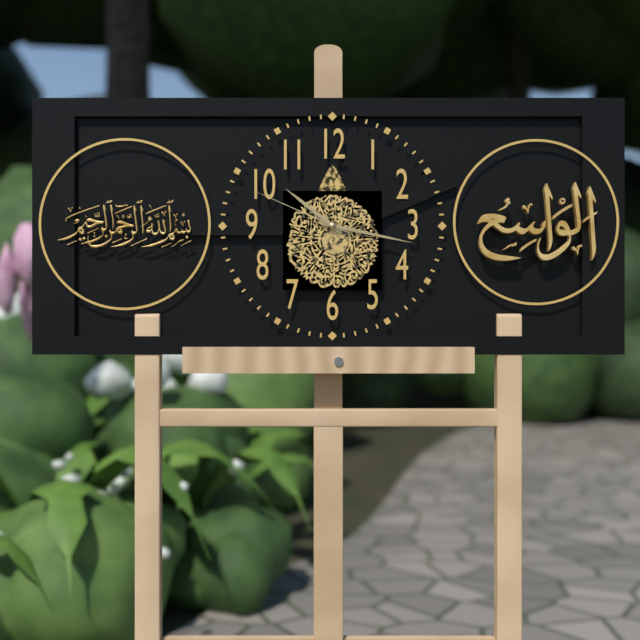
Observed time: **10:17:49**
